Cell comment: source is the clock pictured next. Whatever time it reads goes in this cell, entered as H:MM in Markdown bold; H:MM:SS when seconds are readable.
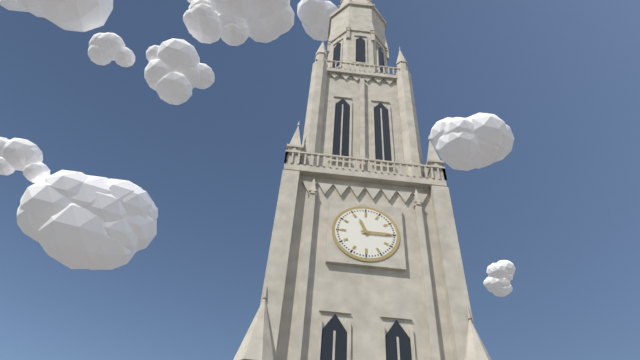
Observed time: **11:15**
